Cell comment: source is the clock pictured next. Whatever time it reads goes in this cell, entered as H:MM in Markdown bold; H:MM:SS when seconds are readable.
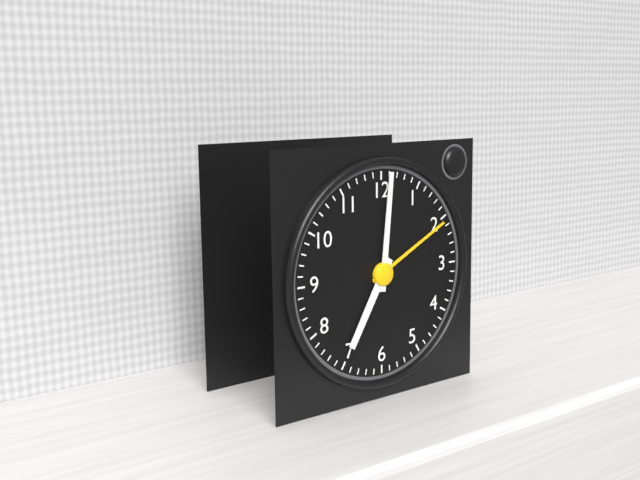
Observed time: **7:01**
